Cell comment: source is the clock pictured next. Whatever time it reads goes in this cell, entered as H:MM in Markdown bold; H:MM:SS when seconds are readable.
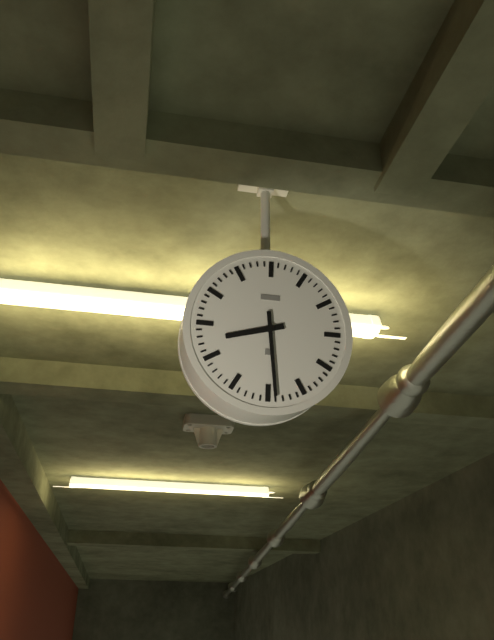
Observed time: **8:29**
